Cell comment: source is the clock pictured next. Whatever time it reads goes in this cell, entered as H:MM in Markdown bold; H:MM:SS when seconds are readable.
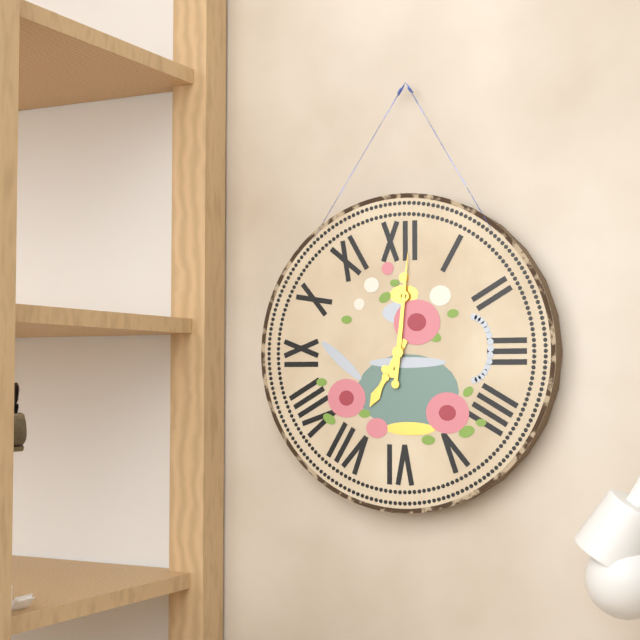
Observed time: **7:01**
